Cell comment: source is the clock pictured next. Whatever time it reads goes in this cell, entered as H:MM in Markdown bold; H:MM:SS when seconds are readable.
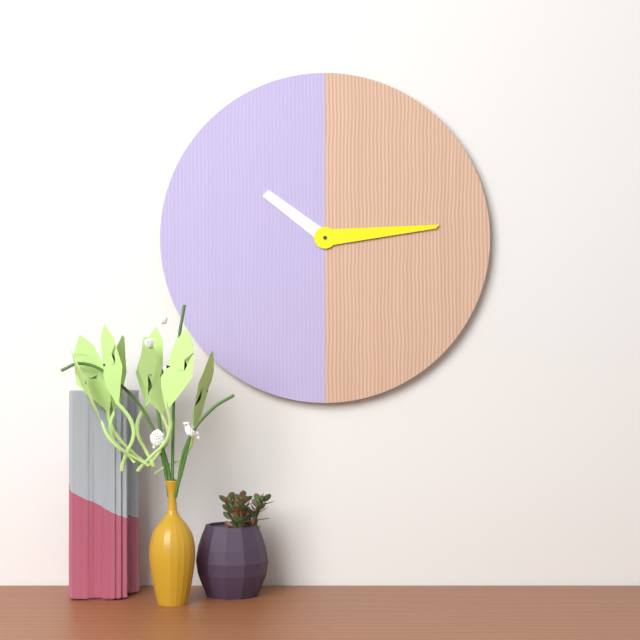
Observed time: **10:14**
